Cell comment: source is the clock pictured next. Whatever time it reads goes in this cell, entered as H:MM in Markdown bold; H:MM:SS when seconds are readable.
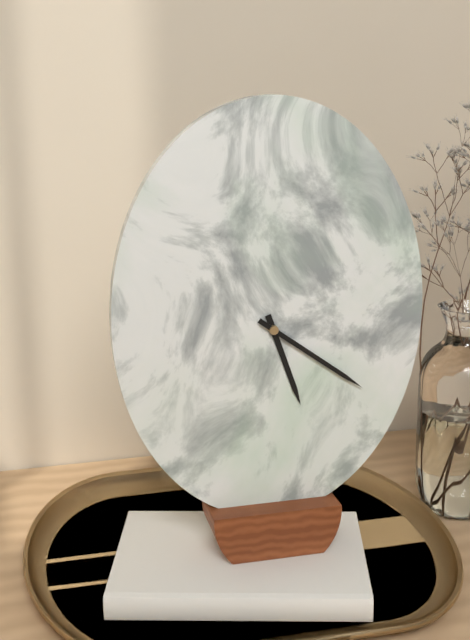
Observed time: **5:21**
